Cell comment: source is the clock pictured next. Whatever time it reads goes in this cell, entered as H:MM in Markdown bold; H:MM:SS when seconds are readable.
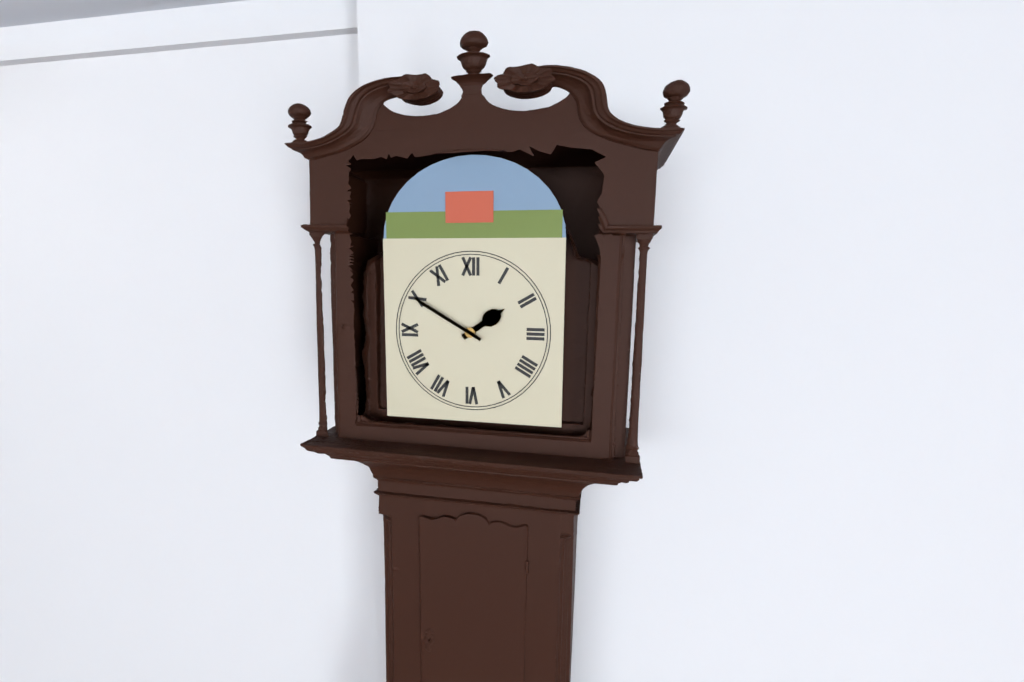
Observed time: **1:50**
